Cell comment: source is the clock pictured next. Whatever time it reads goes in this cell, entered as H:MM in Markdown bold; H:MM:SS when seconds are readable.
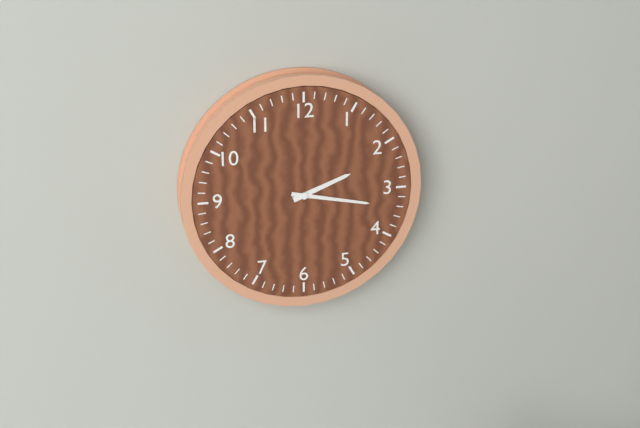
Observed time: **2:17**
